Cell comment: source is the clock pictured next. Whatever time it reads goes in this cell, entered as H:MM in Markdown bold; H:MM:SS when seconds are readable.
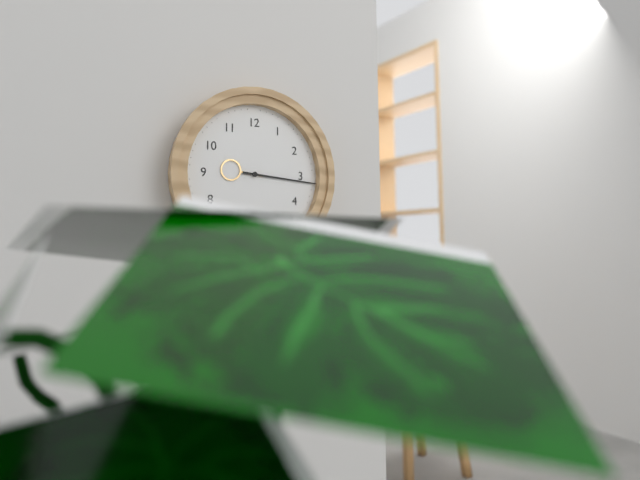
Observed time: **9:16**
